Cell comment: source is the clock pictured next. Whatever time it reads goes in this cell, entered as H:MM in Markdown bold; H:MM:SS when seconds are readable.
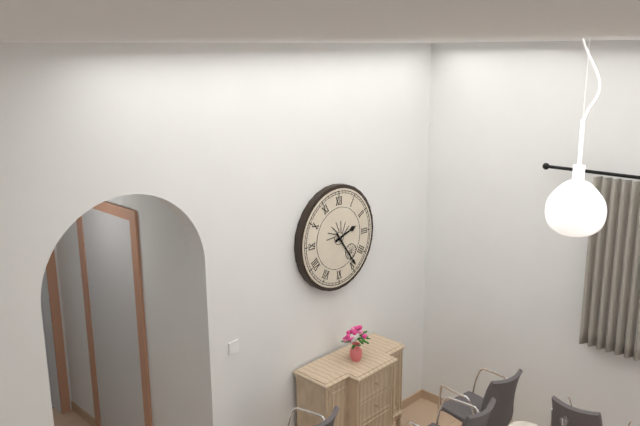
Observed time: **2:24**
